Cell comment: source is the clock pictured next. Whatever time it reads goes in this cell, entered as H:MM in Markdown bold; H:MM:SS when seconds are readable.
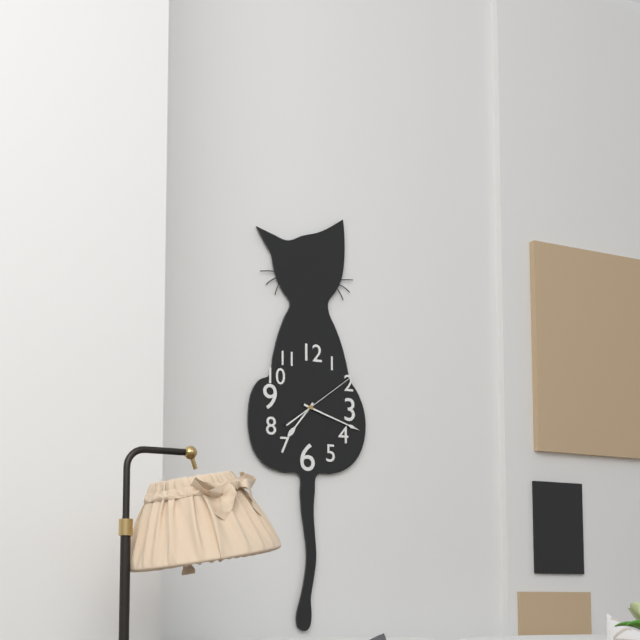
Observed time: **7:18:09**
